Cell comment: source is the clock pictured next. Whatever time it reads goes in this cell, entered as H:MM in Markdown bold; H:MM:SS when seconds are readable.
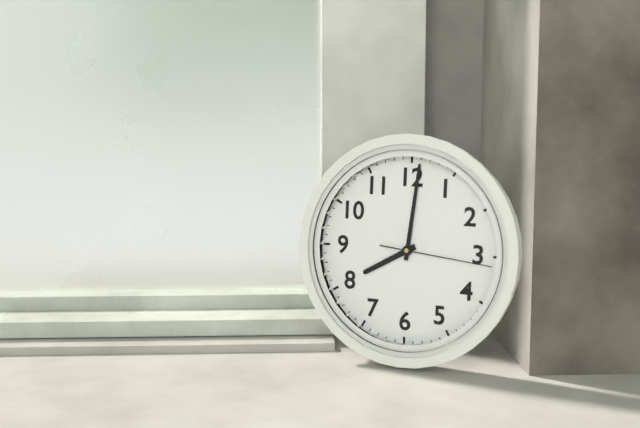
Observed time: **8:01:16**
